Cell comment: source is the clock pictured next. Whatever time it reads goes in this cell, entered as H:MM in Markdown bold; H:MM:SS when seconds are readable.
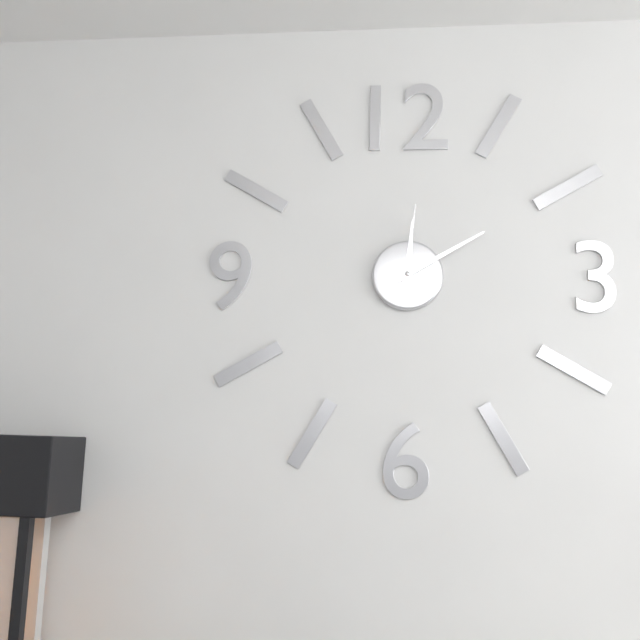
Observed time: **12:10:01**
